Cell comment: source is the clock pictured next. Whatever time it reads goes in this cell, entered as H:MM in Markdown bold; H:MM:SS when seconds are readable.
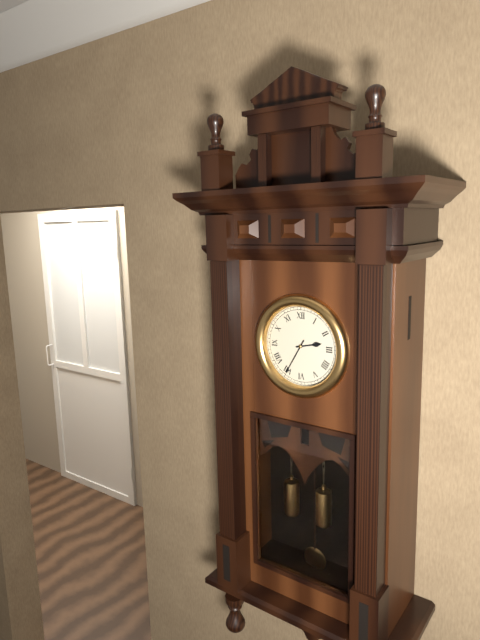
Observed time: **2:35**
